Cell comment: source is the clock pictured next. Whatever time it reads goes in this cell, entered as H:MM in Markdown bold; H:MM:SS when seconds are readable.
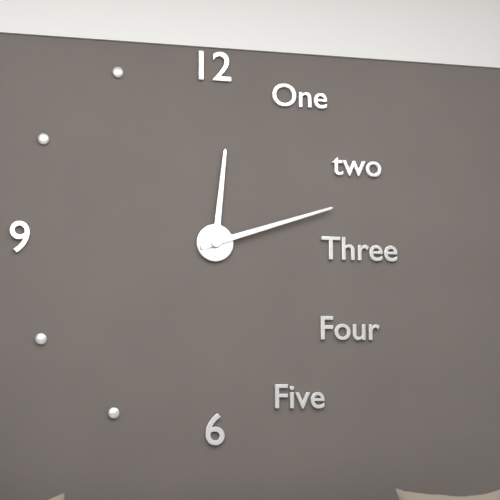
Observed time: **12:12**
